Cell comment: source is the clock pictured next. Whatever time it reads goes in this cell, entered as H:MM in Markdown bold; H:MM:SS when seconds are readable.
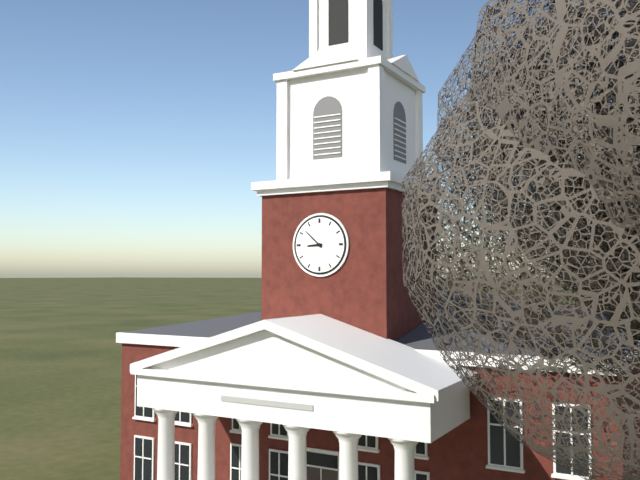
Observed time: **8:52**
